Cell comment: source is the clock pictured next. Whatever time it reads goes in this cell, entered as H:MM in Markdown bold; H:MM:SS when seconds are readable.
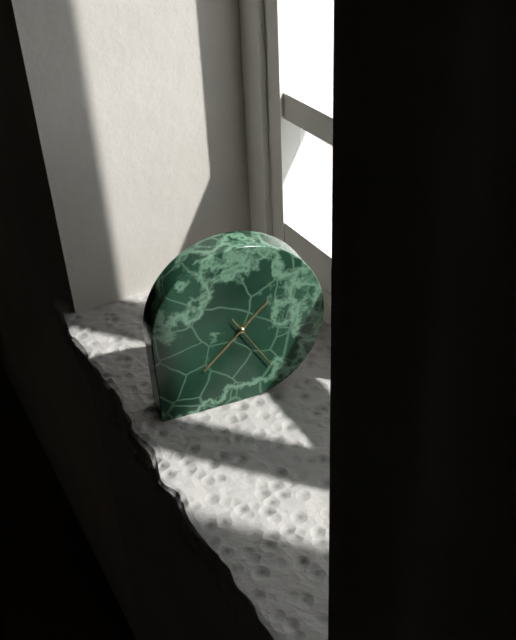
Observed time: **1:38:25**
